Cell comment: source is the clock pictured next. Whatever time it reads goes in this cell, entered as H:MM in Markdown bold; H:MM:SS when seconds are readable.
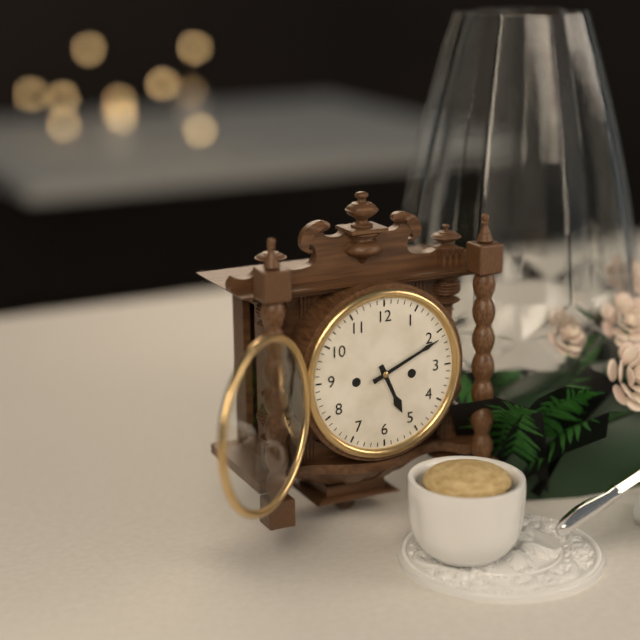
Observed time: **5:11**
